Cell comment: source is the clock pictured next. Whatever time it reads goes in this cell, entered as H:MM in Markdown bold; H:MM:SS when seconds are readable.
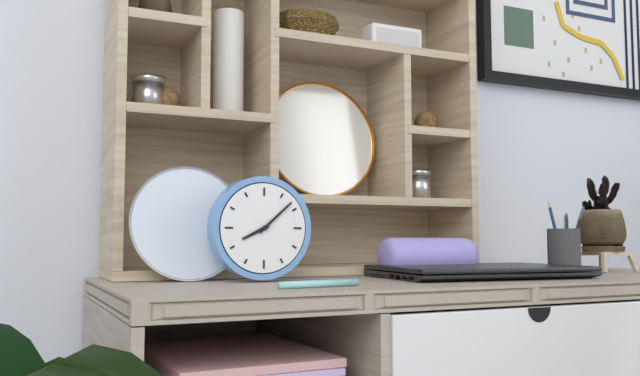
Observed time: **8:08**
